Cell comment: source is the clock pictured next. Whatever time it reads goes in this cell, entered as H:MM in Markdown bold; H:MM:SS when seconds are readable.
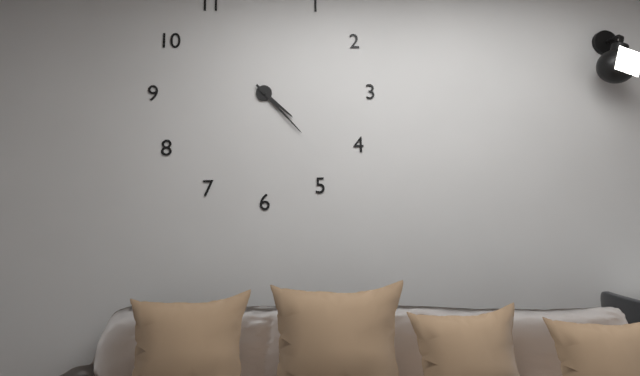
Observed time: **4:23**
